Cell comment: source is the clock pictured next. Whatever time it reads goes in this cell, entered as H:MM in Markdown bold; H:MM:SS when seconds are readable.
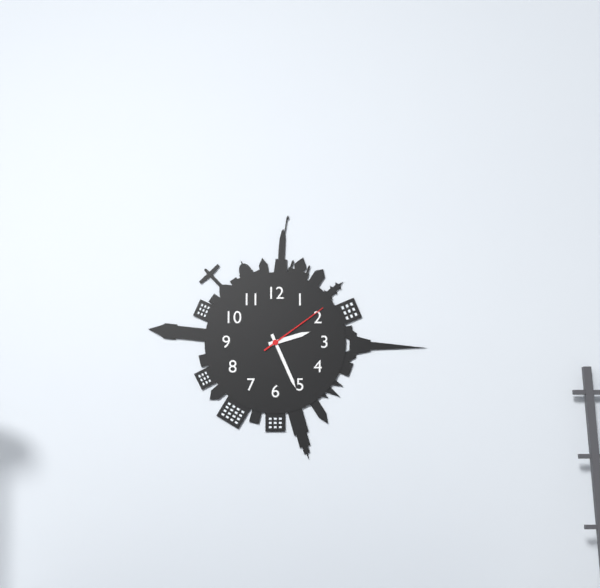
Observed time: **2:26:09**
